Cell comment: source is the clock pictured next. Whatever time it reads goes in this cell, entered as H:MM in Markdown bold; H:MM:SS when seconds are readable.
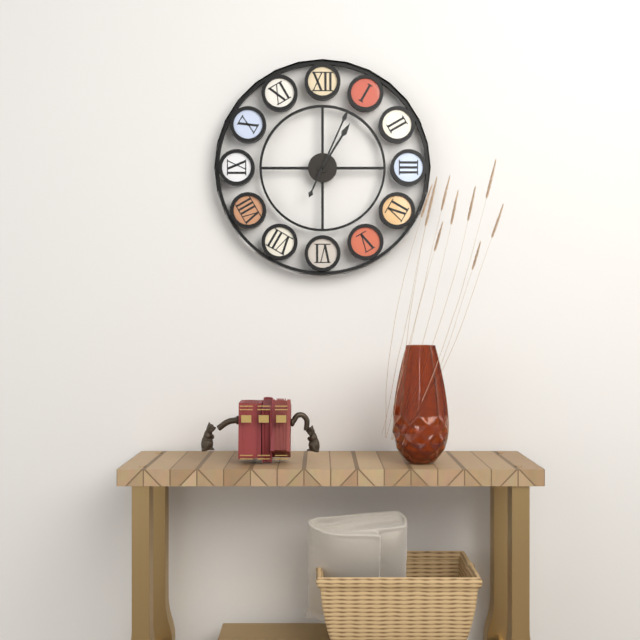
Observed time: **1:04**
